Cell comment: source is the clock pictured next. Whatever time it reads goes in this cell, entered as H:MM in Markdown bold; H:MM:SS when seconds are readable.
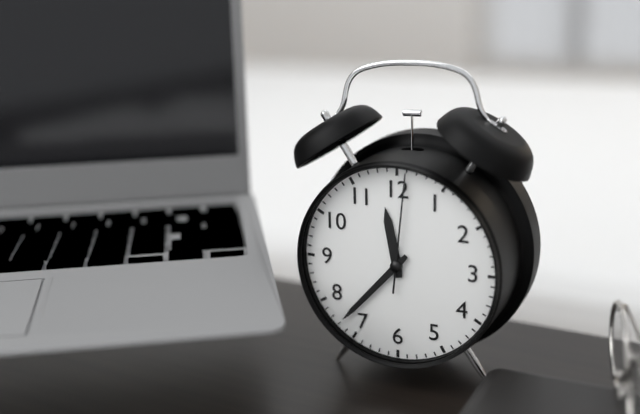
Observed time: **11:37:01**
